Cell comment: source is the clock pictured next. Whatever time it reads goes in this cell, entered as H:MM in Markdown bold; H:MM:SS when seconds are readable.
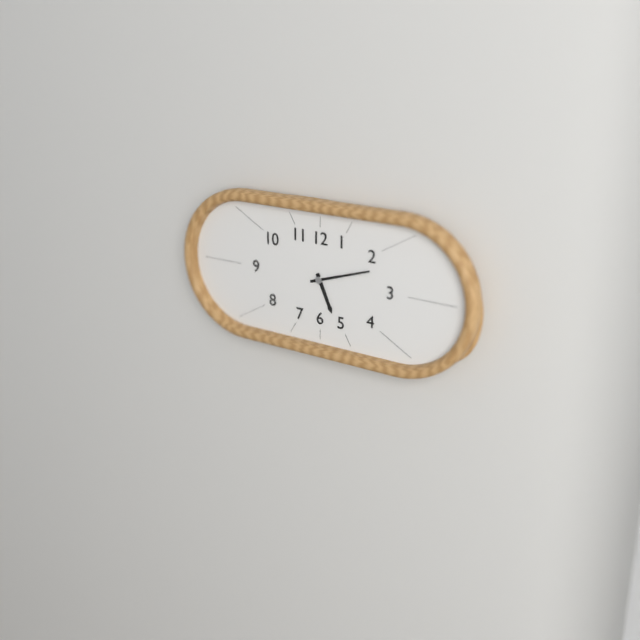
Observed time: **5:12**
